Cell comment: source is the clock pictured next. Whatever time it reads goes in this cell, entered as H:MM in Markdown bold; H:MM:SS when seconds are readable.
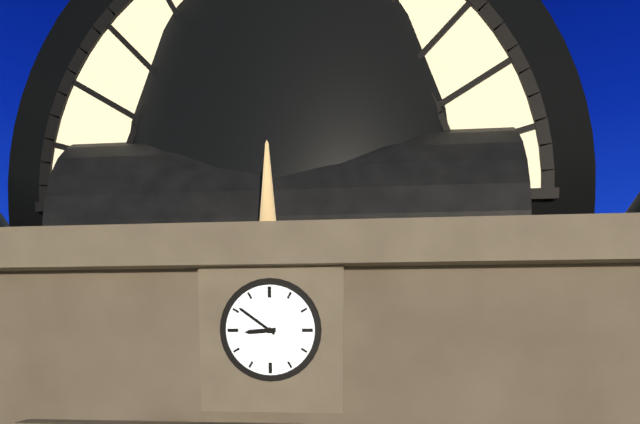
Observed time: **8:51**
